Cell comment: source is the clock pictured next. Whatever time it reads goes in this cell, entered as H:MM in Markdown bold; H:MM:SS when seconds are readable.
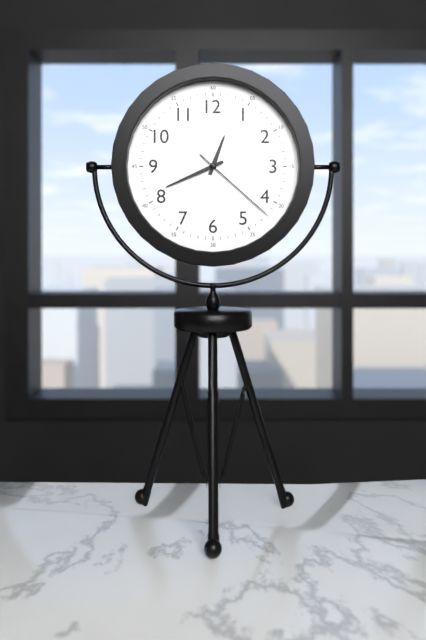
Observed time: **12:41:22**
